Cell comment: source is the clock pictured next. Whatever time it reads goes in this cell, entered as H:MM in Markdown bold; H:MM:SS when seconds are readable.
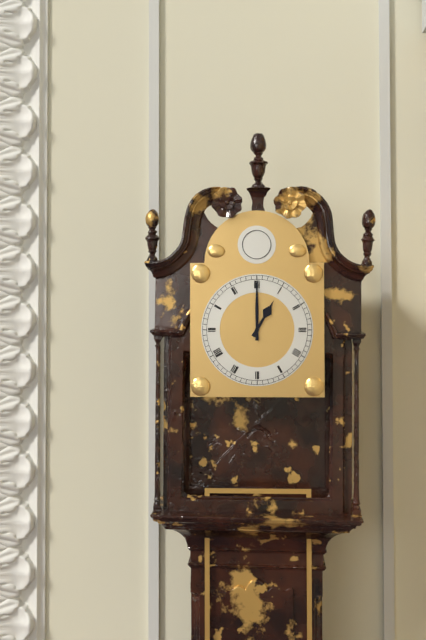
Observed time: **1:00**
